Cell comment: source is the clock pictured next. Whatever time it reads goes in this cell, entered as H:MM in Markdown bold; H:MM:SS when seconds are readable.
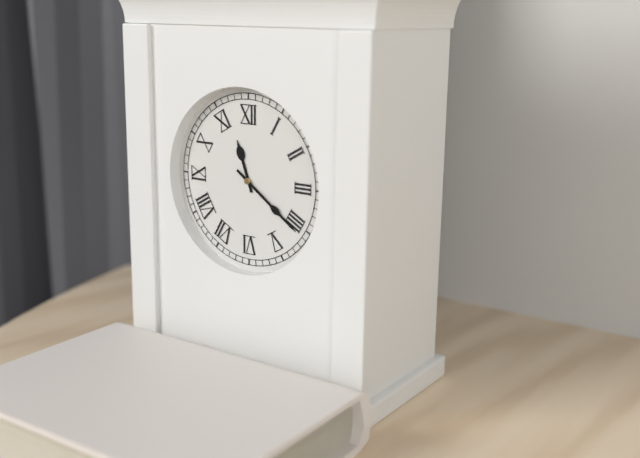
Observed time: **11:21**
